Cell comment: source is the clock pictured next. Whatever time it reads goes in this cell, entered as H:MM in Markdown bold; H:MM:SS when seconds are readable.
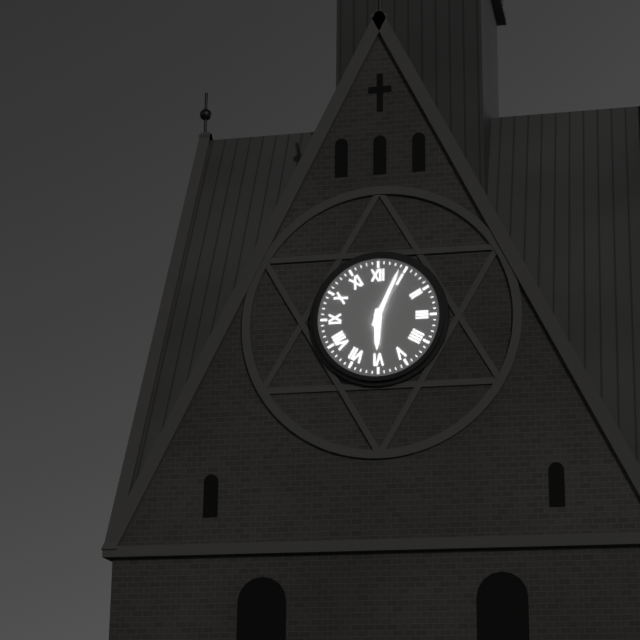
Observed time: **6:04**
